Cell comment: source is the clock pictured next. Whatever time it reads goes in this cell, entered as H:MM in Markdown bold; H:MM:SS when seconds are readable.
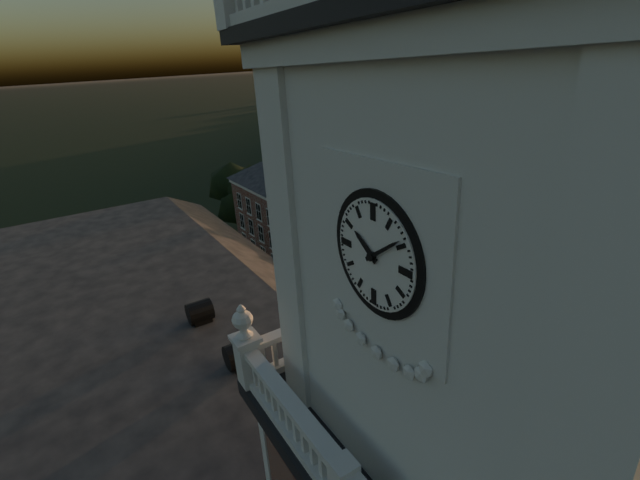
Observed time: **10:09**
